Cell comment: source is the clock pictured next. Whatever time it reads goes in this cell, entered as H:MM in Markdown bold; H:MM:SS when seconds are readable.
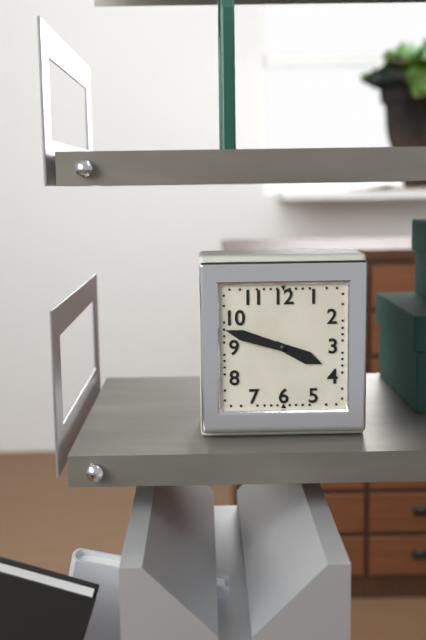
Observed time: **3:48**
